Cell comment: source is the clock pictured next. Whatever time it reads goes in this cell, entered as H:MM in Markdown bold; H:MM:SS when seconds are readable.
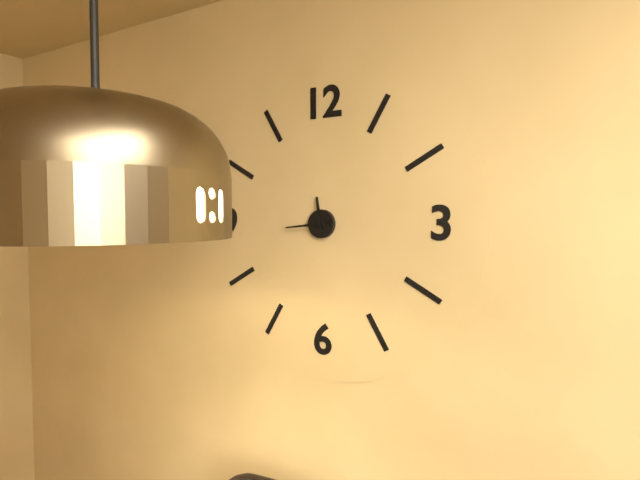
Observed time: **11:44**
